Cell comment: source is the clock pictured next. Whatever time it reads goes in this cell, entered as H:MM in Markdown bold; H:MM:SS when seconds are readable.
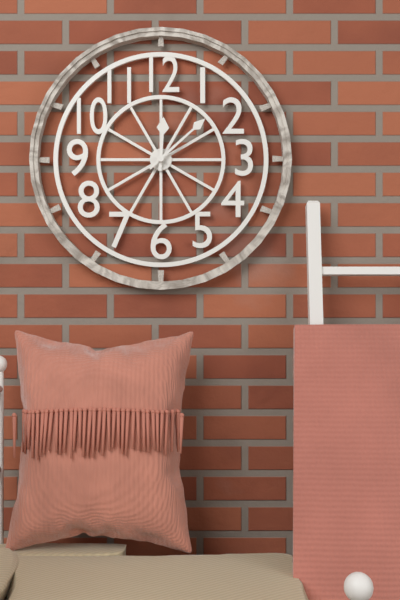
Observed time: **12:08**
